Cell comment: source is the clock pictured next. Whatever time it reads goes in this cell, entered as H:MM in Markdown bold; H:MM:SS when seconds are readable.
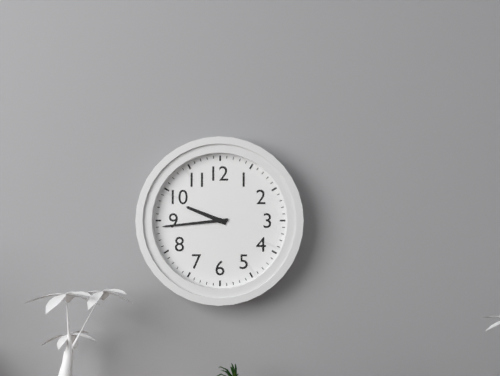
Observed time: **9:44**
